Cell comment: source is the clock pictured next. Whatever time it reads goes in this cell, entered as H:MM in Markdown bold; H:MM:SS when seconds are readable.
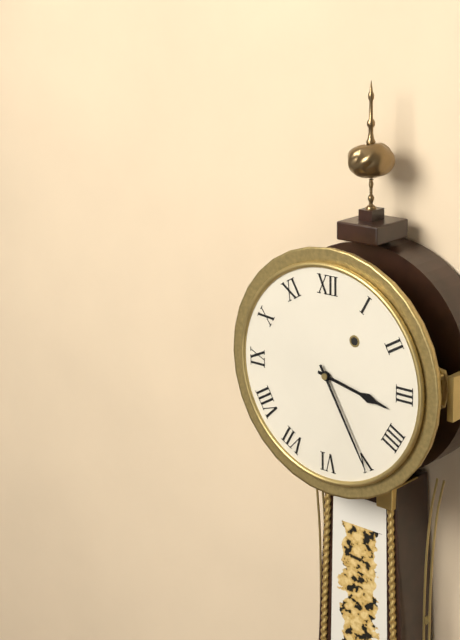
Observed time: **3:25**
